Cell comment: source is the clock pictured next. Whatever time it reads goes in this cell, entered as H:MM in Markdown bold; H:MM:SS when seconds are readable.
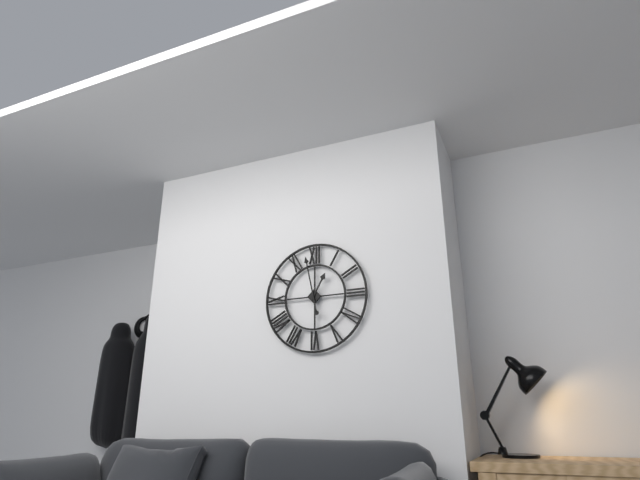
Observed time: **12:58**
